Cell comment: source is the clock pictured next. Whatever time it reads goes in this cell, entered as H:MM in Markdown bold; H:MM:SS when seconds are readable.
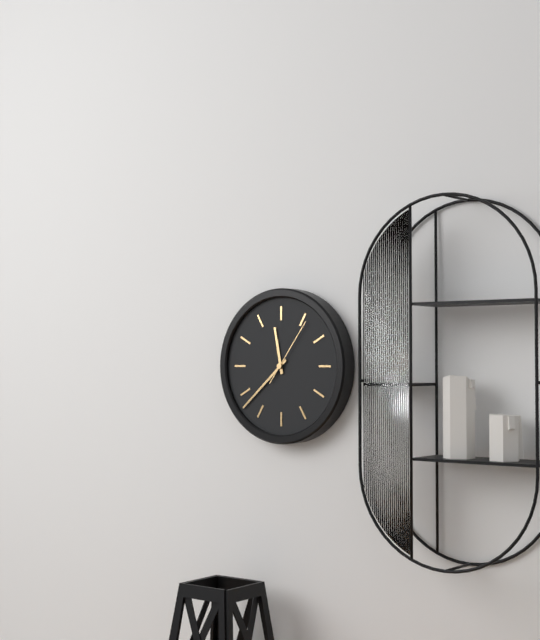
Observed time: **11:38:06**
